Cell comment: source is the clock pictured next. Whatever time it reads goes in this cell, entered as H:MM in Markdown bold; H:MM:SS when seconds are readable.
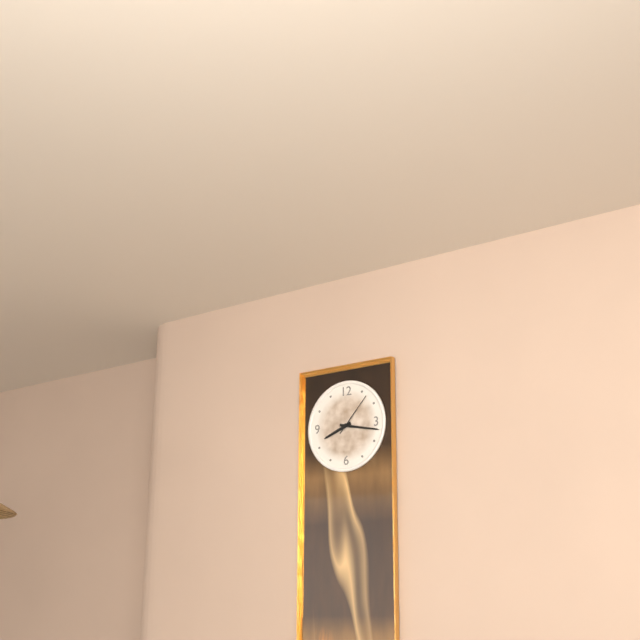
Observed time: **8:17**
